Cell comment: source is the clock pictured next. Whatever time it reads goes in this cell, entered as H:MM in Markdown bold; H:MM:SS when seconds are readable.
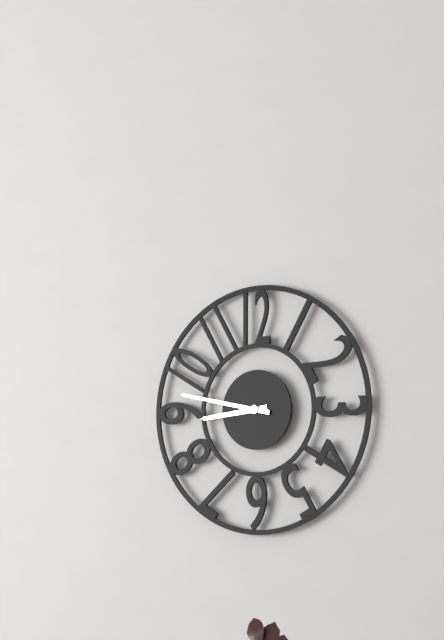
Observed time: **8:47**
